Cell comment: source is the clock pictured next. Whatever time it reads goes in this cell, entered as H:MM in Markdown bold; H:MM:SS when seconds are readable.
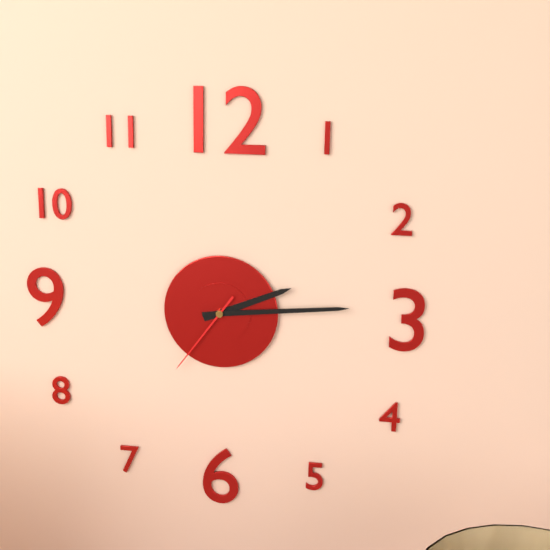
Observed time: **2:14:36**
